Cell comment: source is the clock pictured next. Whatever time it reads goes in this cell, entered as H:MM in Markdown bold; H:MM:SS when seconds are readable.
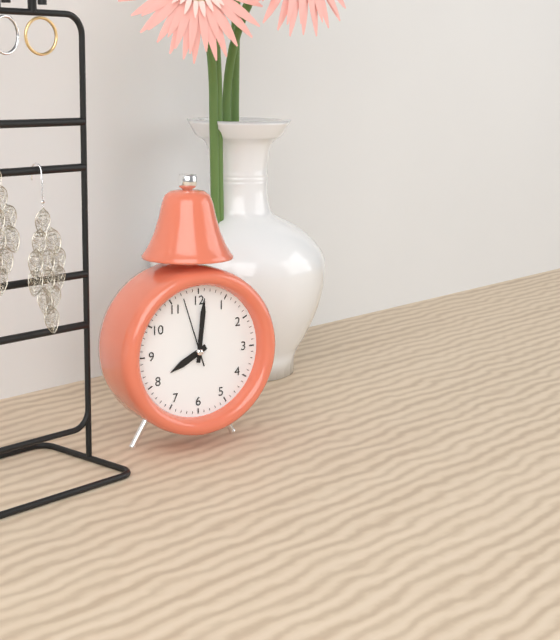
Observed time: **8:01:57**
